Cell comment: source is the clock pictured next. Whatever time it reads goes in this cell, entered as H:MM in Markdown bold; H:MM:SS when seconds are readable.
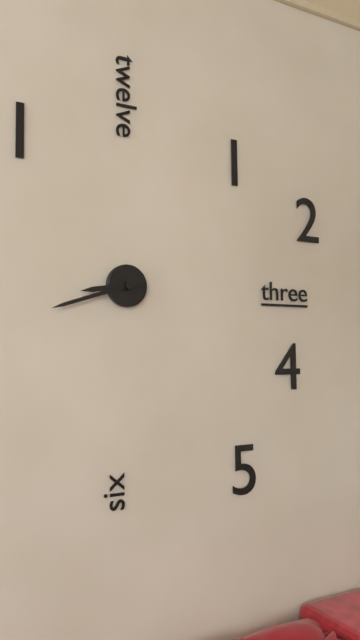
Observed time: **8:42**
